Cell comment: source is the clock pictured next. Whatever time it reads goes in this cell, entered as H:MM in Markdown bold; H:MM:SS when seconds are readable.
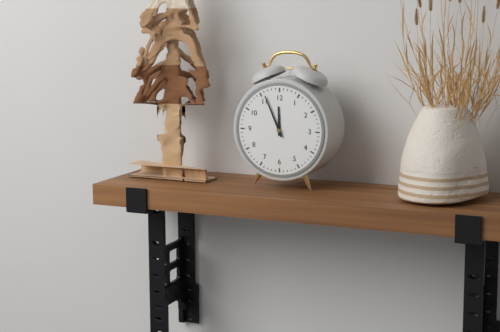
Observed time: **11:56**
